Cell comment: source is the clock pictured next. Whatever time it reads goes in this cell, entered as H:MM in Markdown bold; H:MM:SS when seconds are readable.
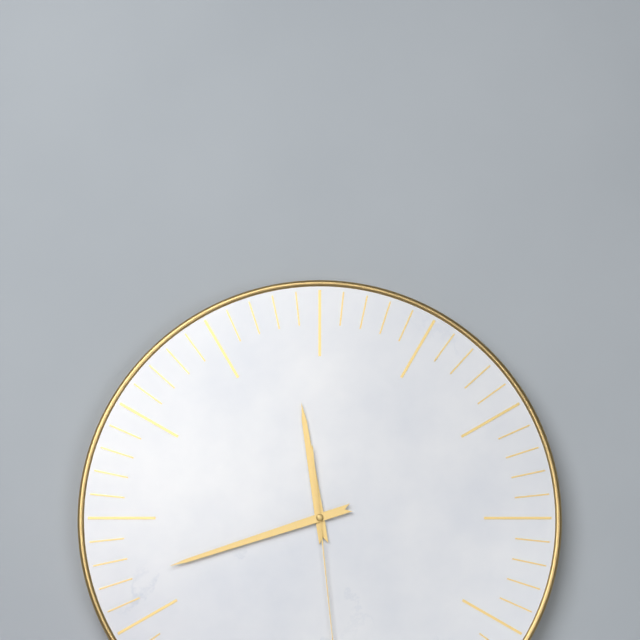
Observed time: **11:42**
